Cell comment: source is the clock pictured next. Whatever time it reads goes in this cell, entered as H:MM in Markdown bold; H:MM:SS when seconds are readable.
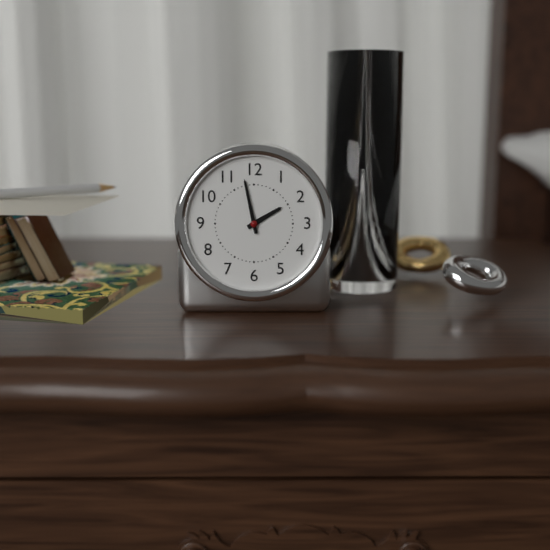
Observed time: **1:58**
